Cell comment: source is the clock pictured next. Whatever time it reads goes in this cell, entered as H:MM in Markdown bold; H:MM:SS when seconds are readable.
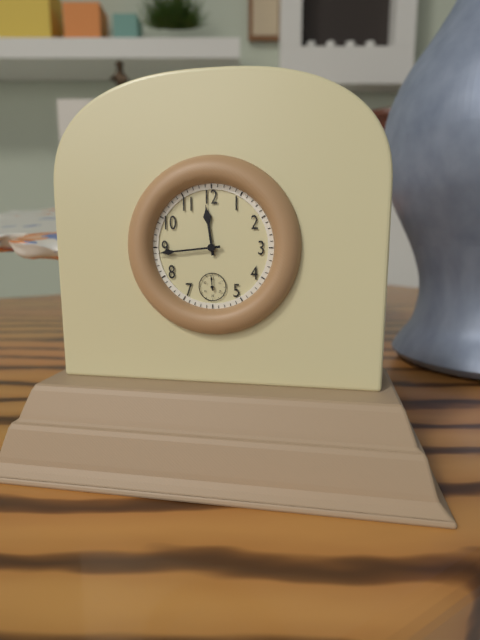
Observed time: **11:44**
